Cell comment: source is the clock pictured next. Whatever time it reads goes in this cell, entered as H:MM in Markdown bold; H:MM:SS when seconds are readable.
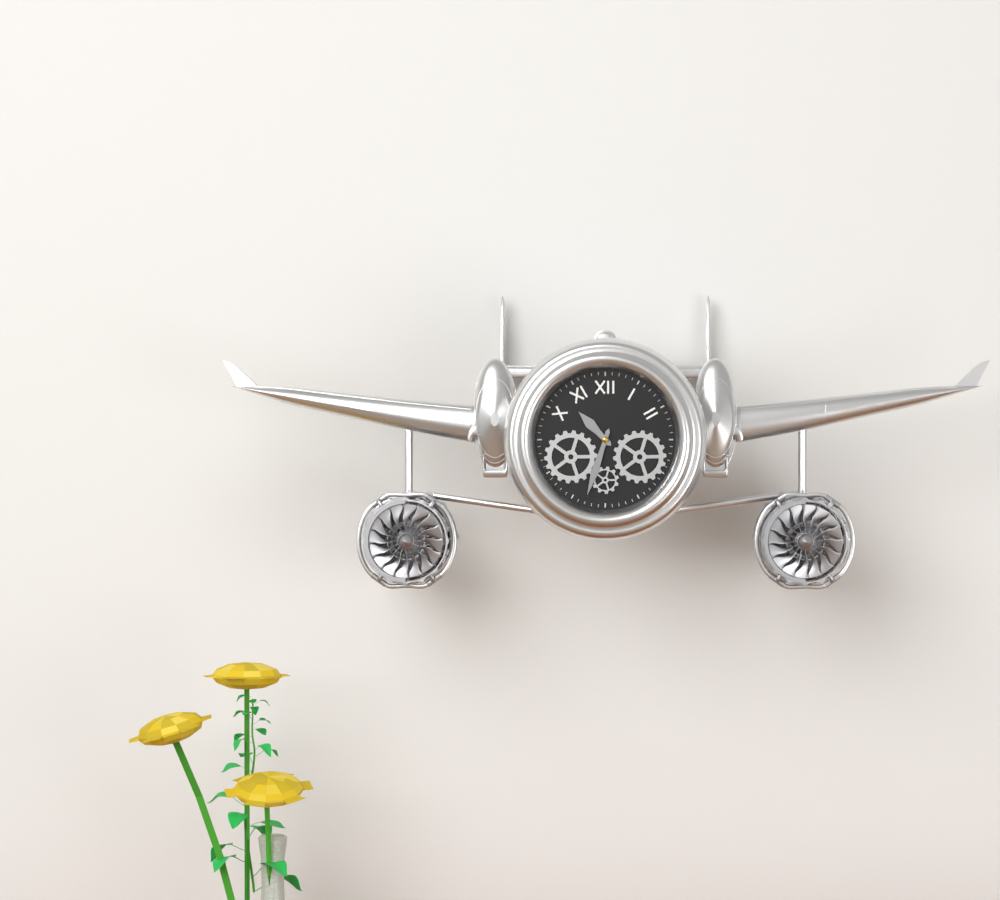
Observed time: **10:33**
